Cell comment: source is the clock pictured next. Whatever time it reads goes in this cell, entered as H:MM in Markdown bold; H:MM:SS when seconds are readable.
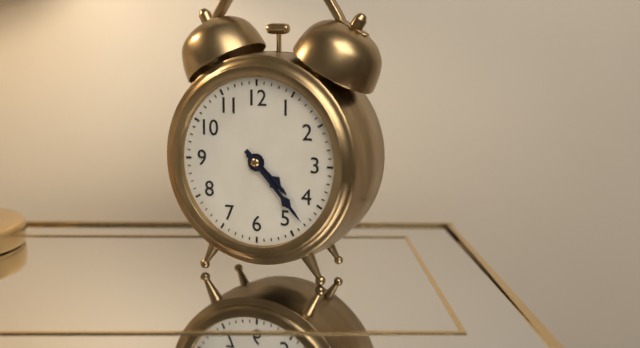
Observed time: **4:23**
